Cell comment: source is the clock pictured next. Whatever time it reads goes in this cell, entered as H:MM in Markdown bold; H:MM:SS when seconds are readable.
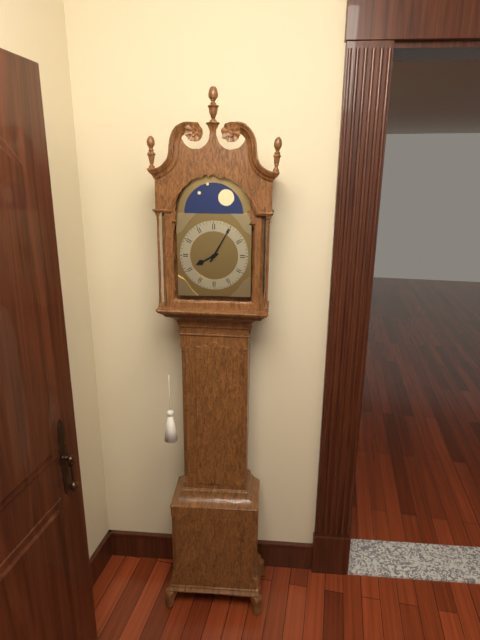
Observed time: **8:05**
